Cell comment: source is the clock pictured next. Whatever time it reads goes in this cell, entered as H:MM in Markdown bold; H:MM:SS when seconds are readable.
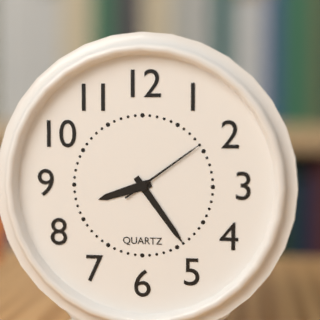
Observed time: **8:24:09**
